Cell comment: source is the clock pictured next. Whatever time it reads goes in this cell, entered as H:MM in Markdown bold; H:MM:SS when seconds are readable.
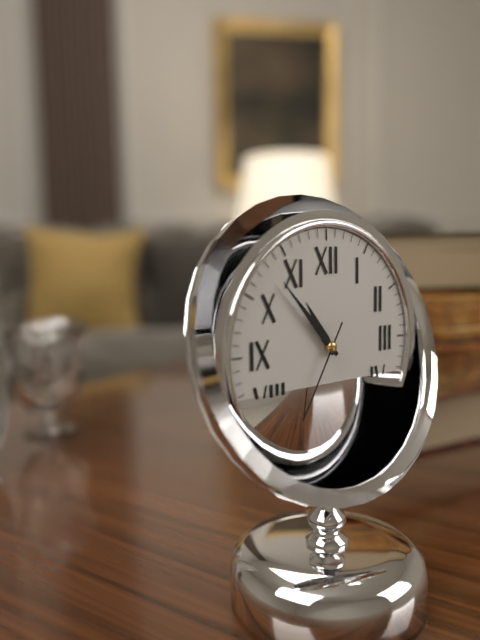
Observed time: **10:53:35**
